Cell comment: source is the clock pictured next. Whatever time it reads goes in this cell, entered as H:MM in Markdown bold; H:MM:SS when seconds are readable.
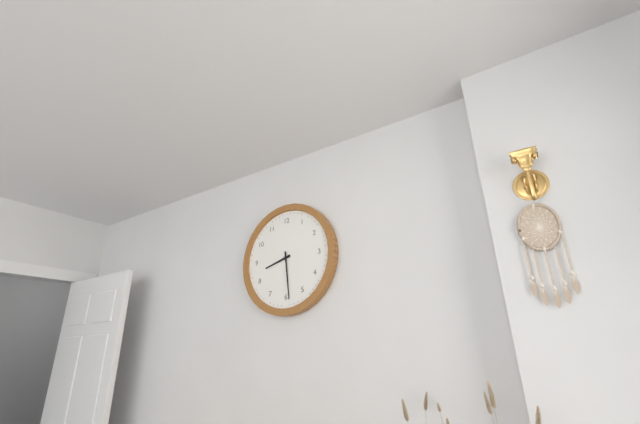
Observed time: **8:29**
